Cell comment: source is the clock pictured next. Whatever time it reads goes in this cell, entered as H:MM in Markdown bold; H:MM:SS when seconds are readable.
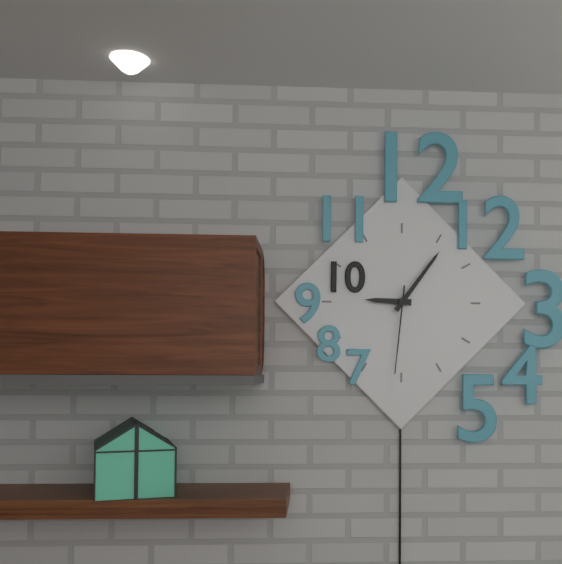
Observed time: **9:06:31**
